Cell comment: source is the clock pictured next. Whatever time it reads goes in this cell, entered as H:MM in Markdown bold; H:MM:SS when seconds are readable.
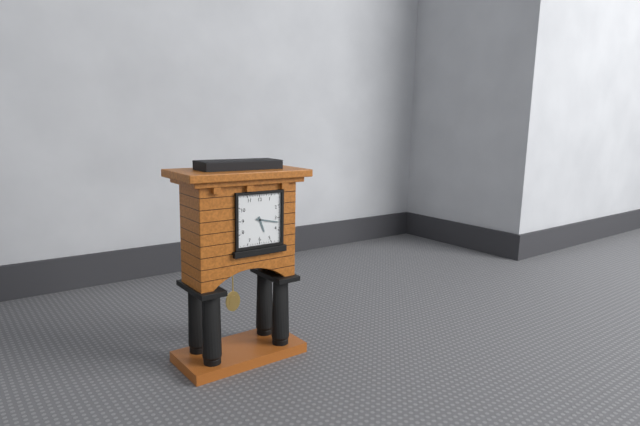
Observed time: **5:17**
